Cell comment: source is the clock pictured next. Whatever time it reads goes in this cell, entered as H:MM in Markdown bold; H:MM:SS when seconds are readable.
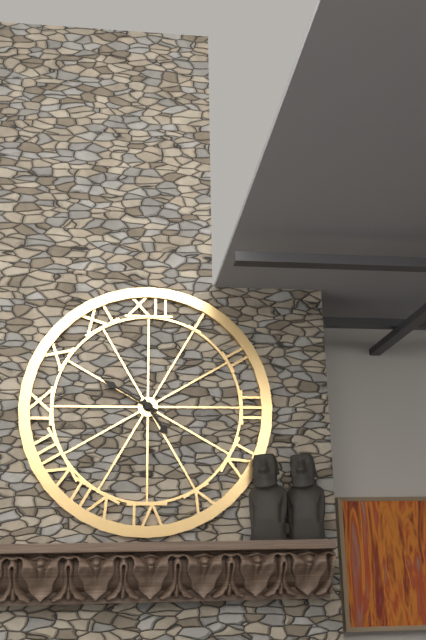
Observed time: **4:50**
